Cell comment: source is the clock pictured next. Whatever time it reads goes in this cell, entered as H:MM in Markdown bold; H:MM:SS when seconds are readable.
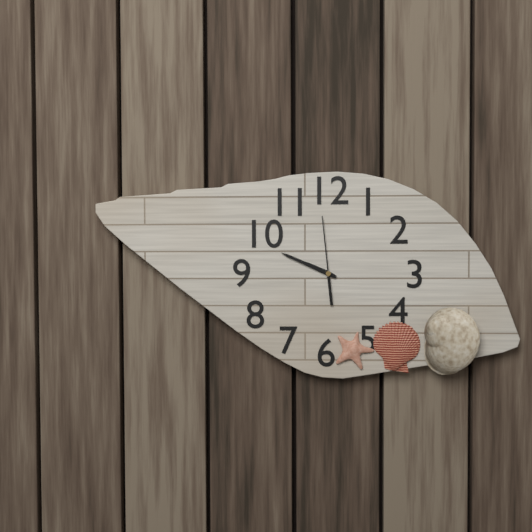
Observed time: **9:49:59**
